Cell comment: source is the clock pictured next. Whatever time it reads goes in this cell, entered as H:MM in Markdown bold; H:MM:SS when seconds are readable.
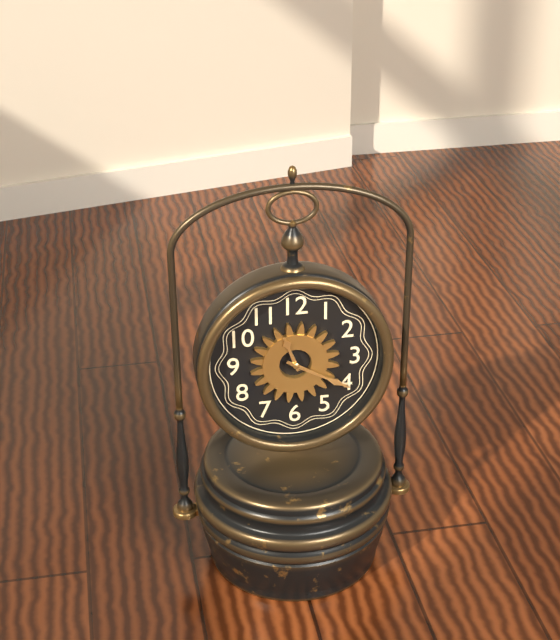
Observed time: **11:20**
